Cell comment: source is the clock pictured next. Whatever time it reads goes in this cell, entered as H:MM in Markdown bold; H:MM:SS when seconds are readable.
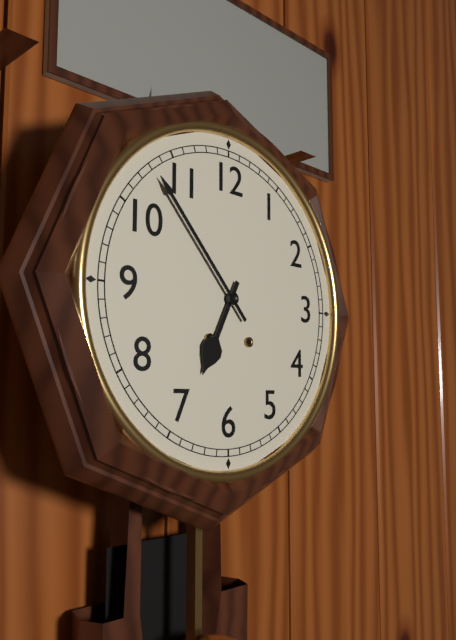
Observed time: **6:53**
